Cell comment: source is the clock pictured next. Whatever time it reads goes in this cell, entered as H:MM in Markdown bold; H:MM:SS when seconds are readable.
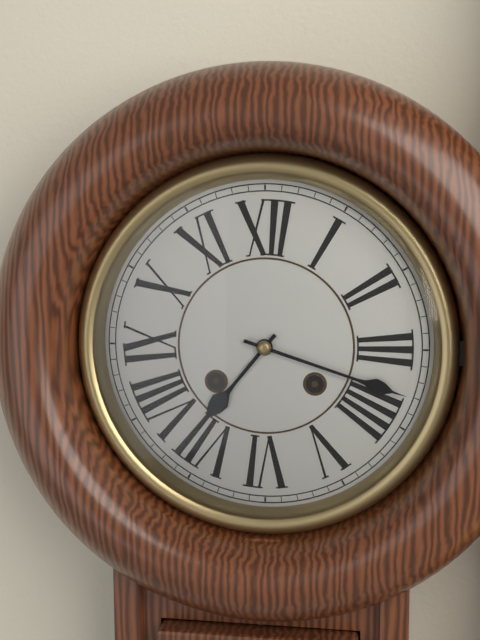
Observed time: **7:18**
